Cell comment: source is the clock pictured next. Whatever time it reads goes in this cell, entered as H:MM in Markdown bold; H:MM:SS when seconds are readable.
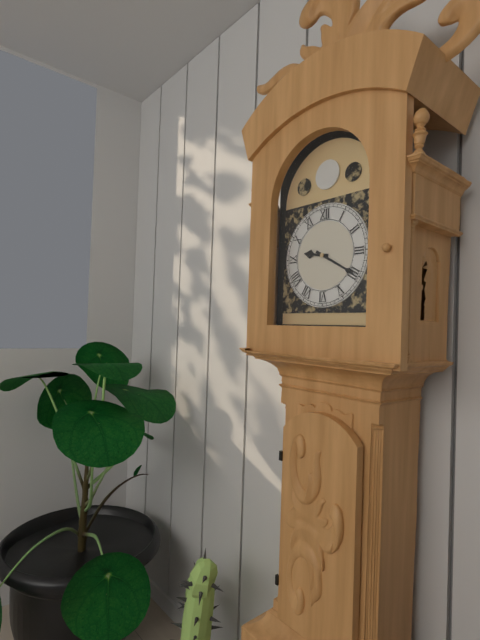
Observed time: **9:20**
